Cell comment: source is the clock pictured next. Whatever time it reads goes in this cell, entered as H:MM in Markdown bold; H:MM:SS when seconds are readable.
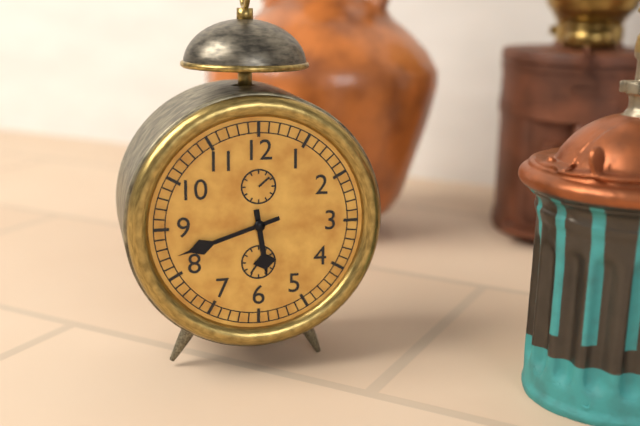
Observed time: **5:42**
